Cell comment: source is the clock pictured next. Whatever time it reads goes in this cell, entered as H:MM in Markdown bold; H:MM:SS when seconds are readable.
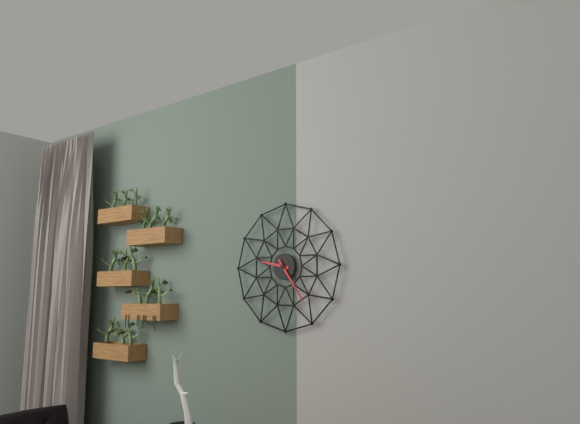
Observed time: **9:24**
